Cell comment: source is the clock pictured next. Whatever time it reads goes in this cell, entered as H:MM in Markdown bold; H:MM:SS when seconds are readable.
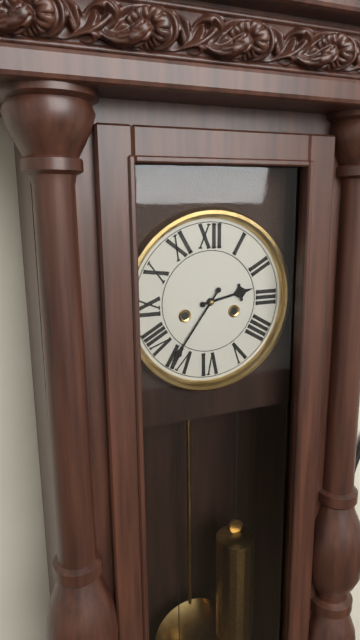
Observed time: **2:36**
